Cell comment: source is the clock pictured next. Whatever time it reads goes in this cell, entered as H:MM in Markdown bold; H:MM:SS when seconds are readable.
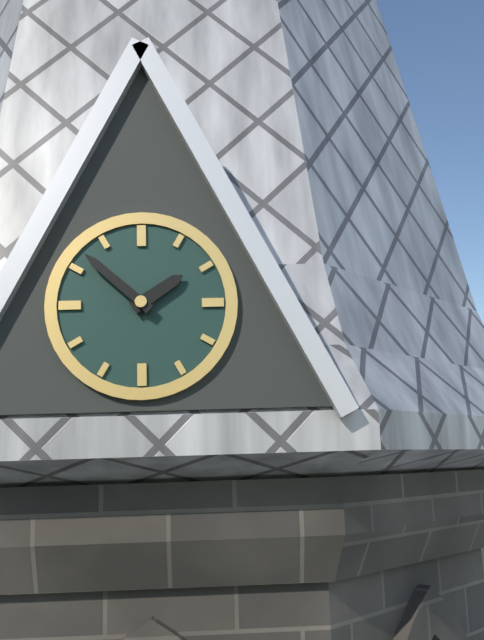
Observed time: **1:52**
